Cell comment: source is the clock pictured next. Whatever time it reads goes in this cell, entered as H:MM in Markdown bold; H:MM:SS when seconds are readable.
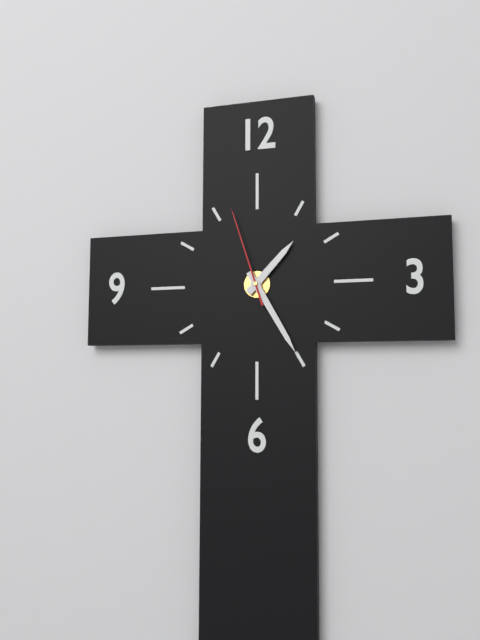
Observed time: **1:25:57**
